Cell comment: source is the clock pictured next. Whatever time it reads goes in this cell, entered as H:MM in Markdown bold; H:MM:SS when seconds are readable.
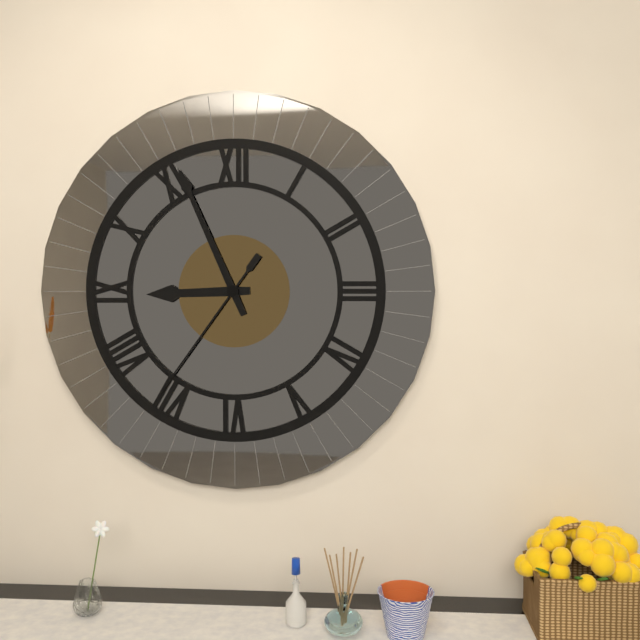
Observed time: **8:56:36**
